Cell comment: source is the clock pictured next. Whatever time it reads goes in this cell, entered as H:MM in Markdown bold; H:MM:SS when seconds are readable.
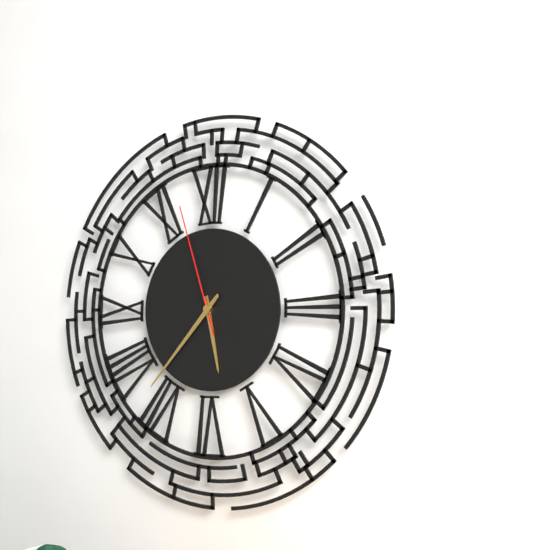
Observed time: **5:37:57**
